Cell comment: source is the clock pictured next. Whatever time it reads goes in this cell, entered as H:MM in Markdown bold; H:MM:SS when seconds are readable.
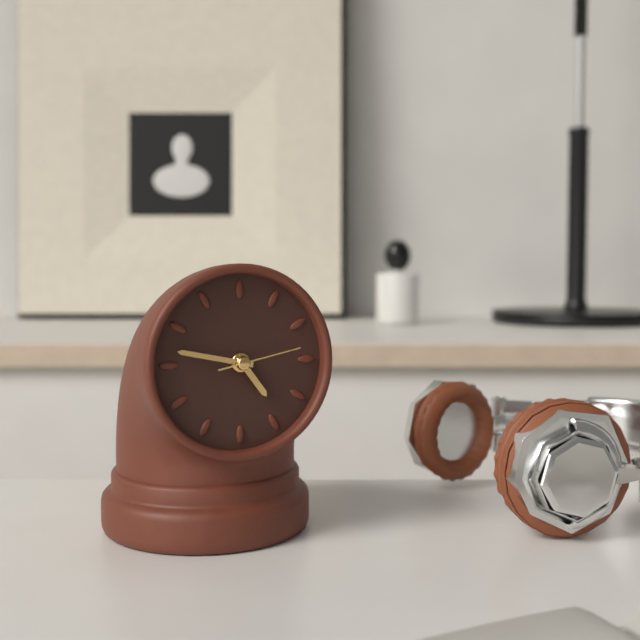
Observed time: **4:47:13**
